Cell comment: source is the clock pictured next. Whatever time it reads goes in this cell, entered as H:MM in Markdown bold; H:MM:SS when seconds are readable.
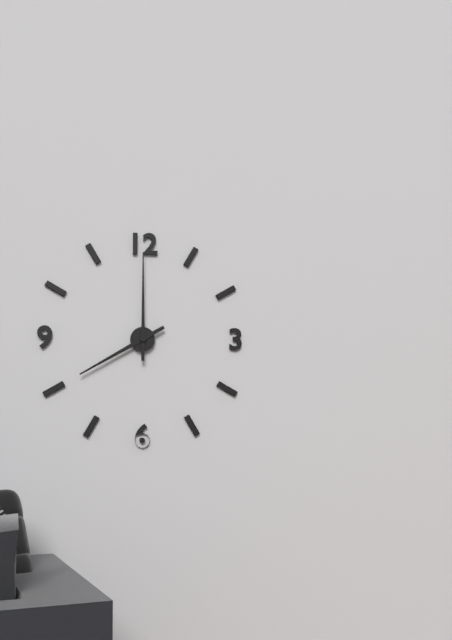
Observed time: **8:00**
